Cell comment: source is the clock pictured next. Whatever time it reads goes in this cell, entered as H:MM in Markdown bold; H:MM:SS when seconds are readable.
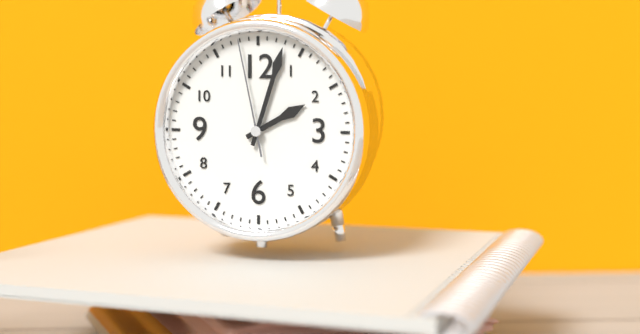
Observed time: **2:03:58**
